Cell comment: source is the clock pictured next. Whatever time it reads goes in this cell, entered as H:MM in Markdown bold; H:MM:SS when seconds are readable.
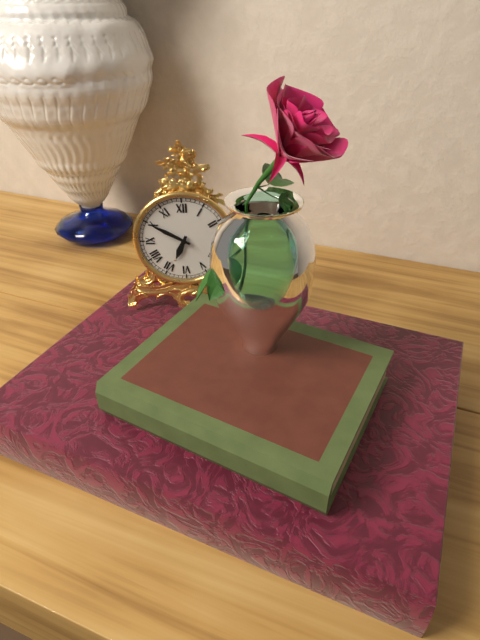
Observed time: **6:50**
